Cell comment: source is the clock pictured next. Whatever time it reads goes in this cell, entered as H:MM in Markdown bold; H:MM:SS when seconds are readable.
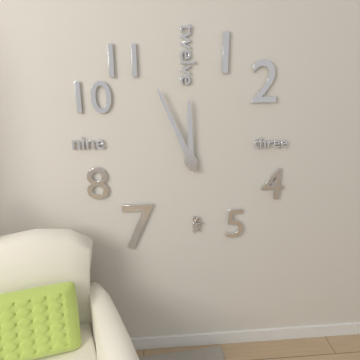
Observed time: **11:56**
